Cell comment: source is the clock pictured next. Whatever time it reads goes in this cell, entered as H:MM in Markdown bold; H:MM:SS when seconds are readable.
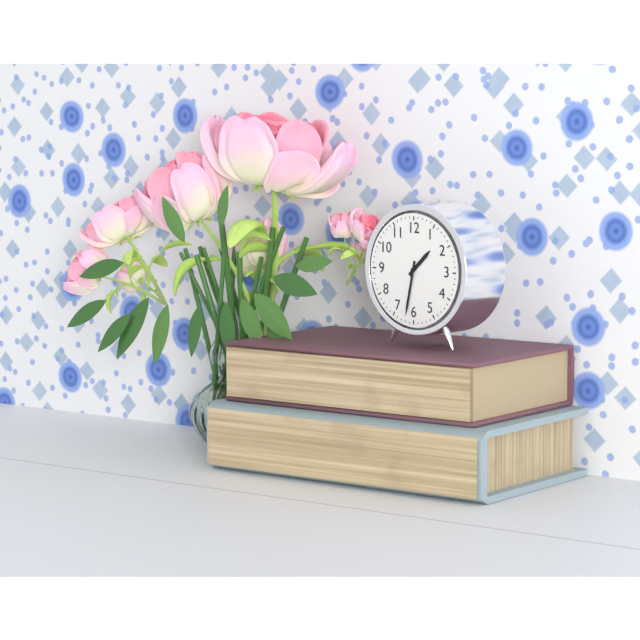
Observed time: **1:32**
